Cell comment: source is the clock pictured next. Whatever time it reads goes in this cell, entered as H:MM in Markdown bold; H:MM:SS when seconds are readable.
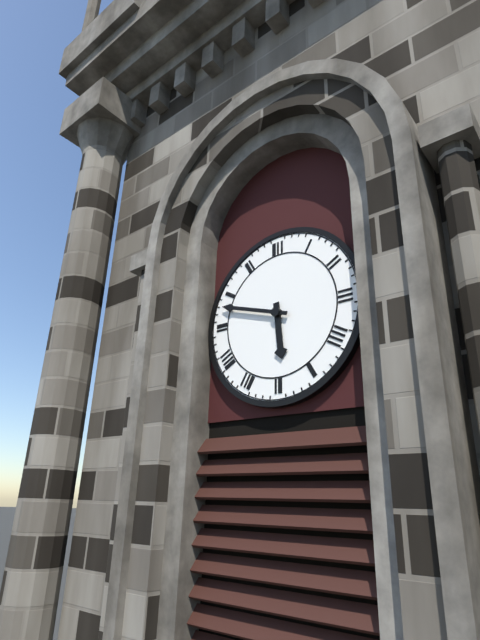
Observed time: **5:48**
